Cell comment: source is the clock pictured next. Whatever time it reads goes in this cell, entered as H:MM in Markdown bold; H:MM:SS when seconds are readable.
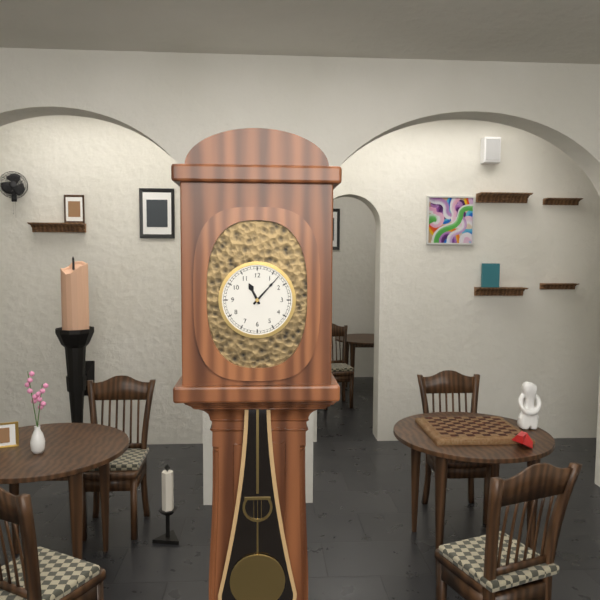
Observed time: **11:07**
